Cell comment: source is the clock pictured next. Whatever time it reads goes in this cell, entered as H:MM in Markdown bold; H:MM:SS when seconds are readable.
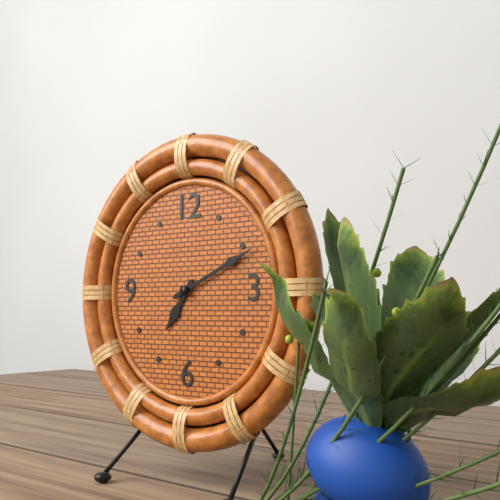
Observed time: **7:11**
